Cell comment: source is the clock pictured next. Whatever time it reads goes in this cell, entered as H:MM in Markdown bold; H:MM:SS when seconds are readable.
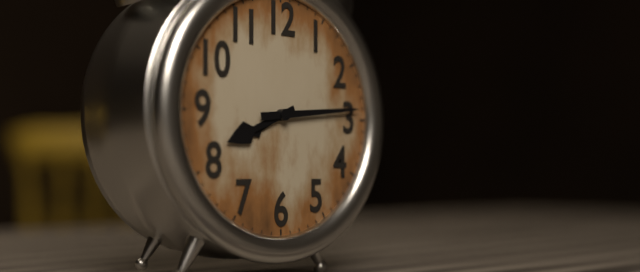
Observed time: **8:14**
